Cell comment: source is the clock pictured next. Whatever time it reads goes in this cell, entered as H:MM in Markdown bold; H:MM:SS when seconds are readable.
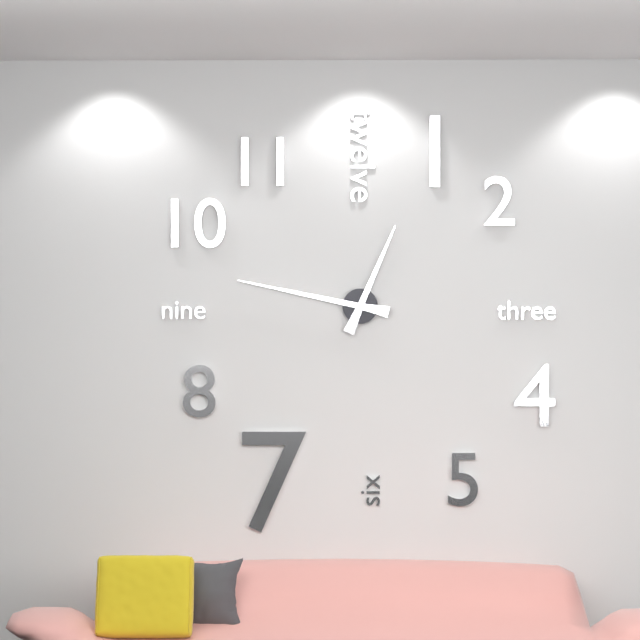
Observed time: **12:47**
